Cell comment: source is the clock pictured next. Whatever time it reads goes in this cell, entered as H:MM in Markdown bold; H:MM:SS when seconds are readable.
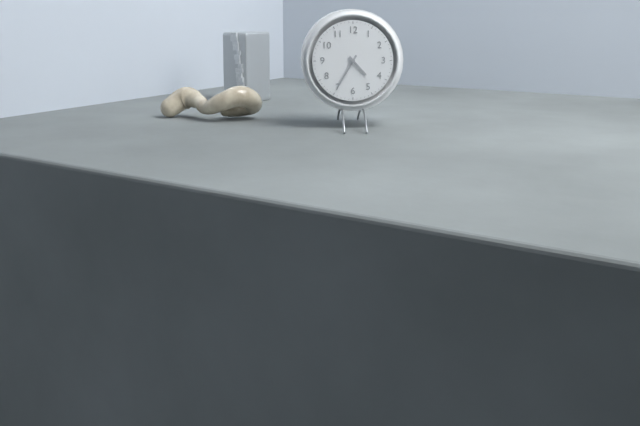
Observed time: **4:35**
